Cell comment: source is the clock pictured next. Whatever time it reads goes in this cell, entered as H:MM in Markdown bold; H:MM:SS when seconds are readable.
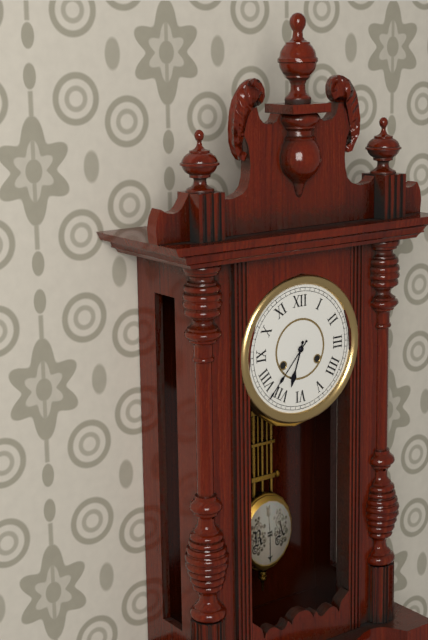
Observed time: **6:37**
